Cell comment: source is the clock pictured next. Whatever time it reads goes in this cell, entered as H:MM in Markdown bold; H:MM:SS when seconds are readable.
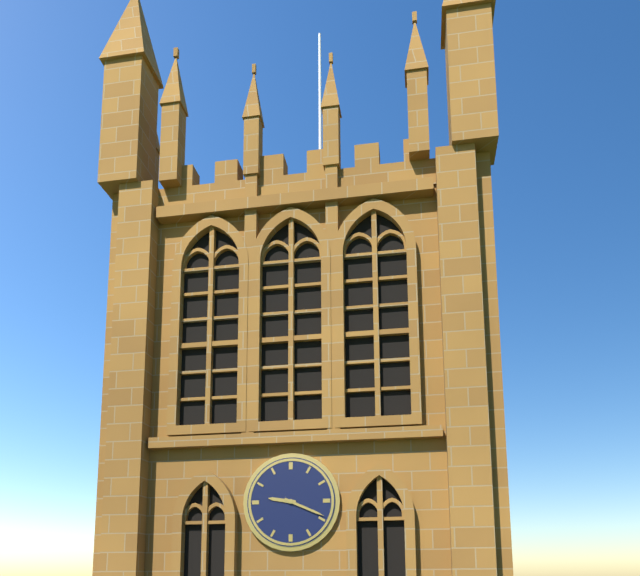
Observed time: **9:19**
